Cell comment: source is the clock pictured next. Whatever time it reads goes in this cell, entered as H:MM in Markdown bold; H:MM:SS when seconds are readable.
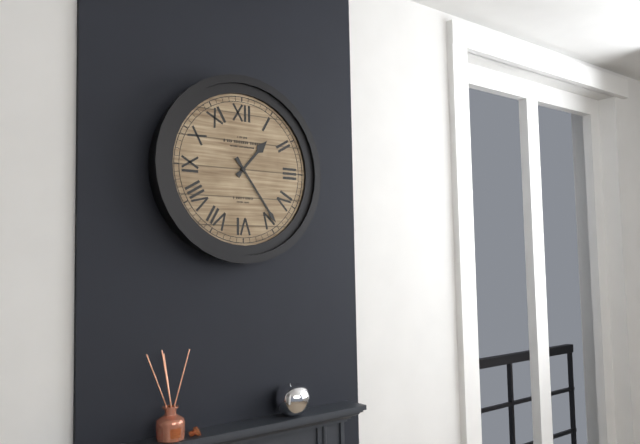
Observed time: **1:24**
